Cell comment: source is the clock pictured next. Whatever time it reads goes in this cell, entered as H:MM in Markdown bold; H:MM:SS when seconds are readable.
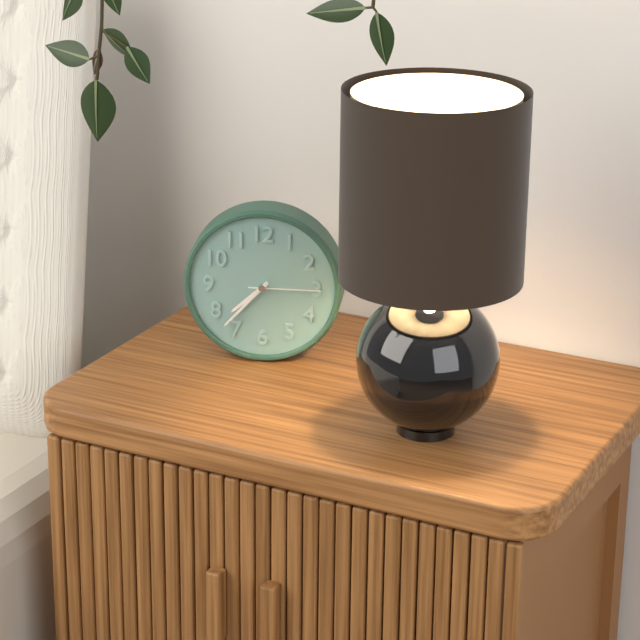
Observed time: **7:37:15**
